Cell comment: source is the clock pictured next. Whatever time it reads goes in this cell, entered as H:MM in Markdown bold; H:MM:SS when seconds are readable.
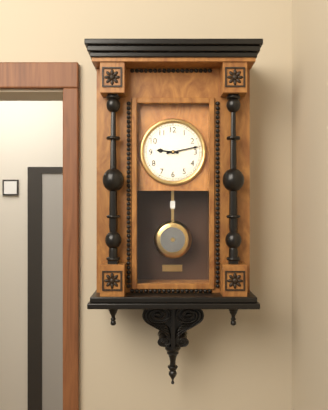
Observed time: **9:13**
